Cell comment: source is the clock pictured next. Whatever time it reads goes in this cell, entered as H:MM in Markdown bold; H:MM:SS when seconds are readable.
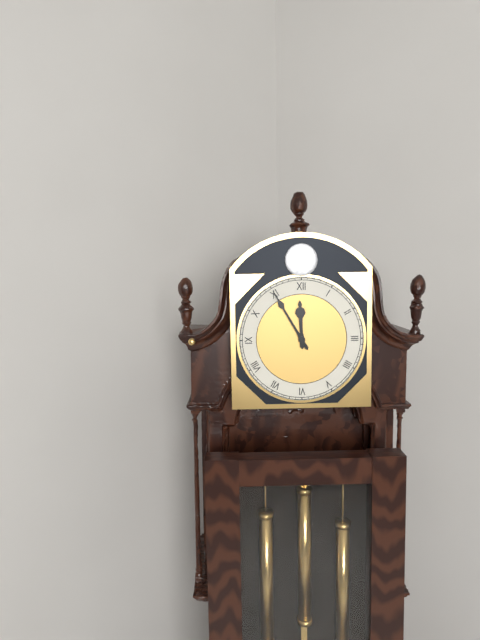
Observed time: **11:55**
